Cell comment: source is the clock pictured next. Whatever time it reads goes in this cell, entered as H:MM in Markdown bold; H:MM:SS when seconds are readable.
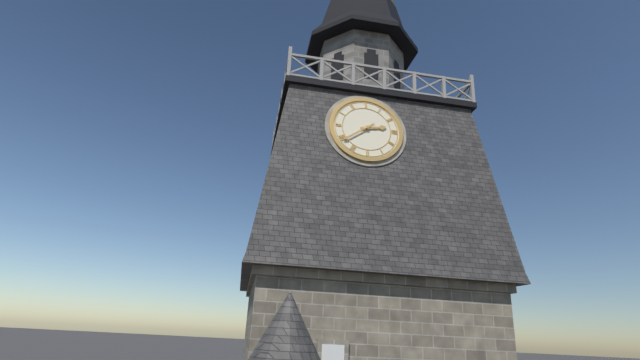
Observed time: **2:39**
